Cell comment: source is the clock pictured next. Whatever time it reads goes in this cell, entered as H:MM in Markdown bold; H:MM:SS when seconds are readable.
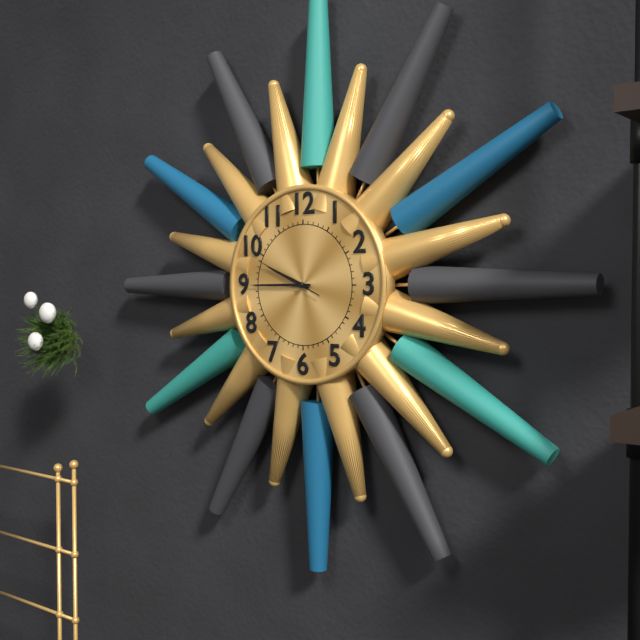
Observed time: **9:45:49**
